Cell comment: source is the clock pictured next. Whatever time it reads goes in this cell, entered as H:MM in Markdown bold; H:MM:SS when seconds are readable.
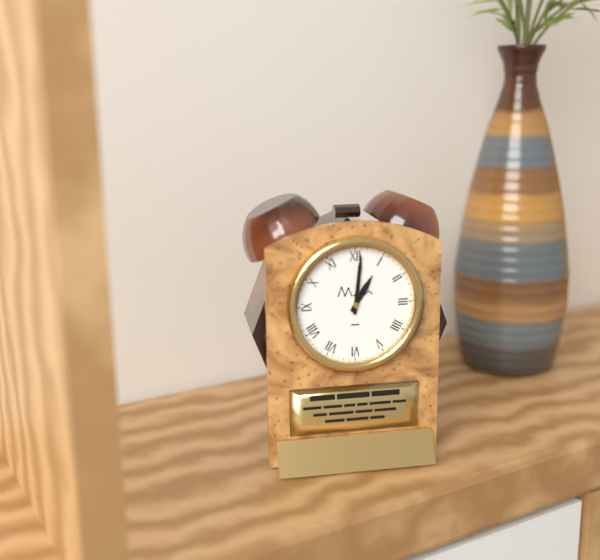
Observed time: **1:01**
